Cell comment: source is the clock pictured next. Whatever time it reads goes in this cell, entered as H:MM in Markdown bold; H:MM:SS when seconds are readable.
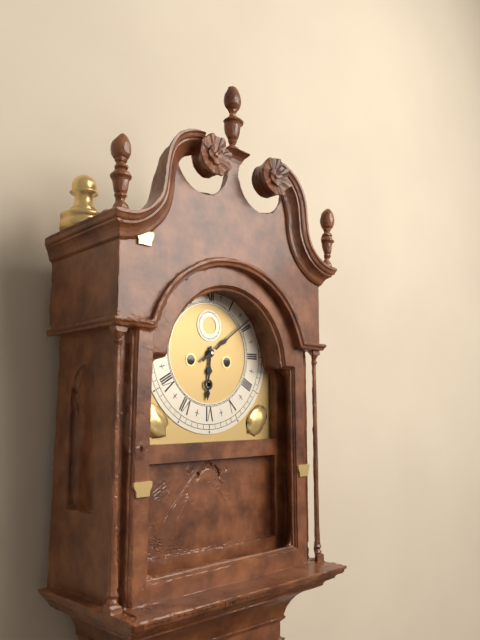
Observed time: **6:09**
